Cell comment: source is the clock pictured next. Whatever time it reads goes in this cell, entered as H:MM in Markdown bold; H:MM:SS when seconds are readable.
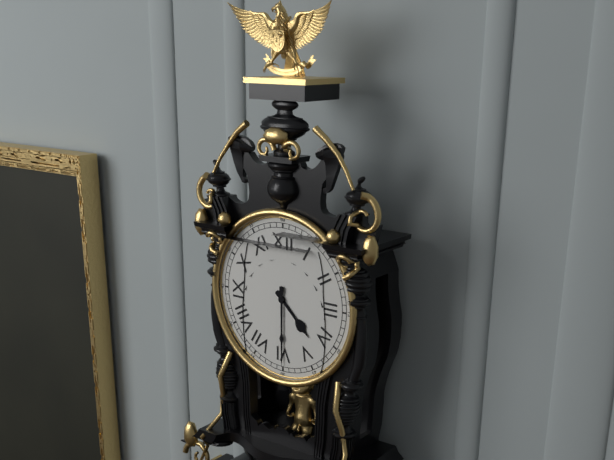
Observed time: **4:30**
